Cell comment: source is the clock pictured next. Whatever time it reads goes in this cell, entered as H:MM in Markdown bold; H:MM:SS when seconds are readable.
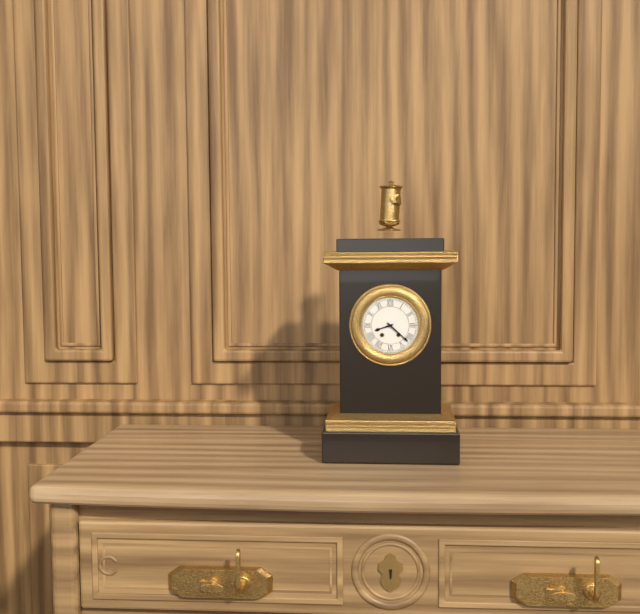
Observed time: **8:22**
